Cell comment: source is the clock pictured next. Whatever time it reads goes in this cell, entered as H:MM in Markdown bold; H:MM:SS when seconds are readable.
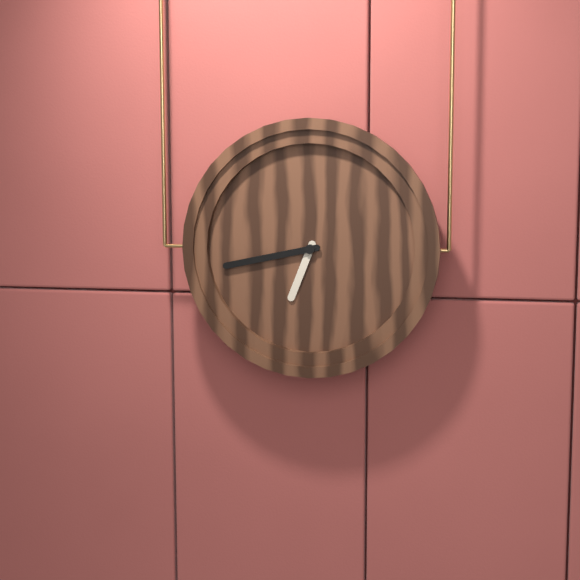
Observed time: **6:43**
